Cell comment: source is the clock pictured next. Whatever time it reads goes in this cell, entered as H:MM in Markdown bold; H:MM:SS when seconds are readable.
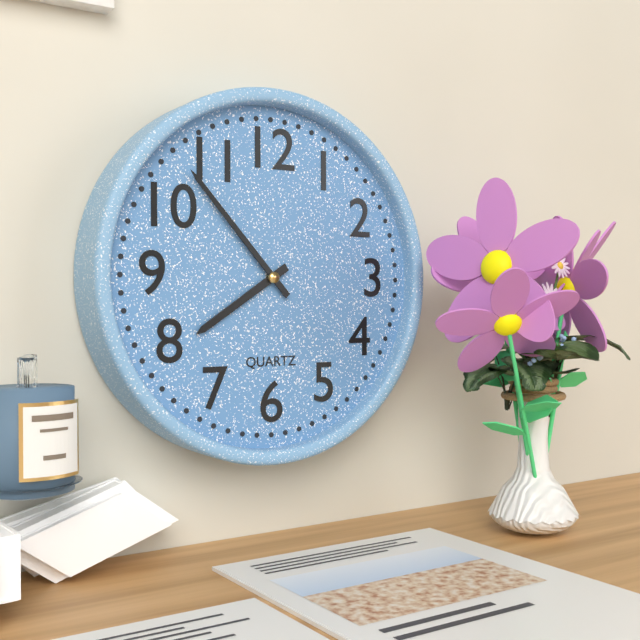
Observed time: **7:53**
